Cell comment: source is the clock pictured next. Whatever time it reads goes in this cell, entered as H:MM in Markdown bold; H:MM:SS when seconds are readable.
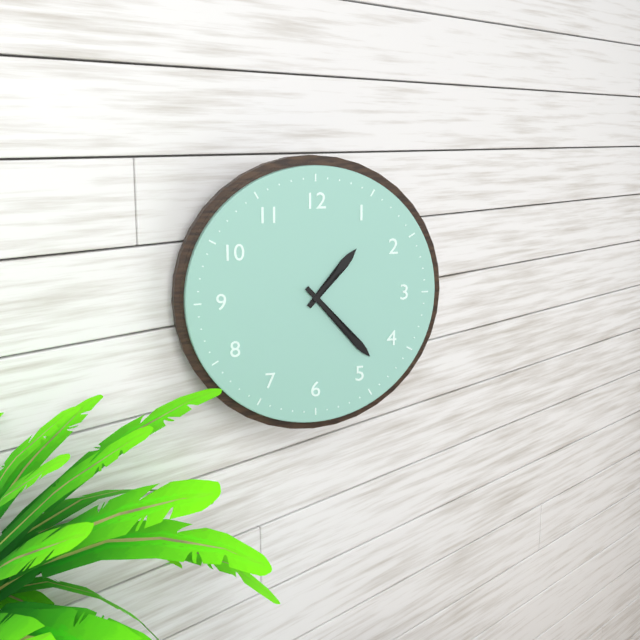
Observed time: **1:23**
